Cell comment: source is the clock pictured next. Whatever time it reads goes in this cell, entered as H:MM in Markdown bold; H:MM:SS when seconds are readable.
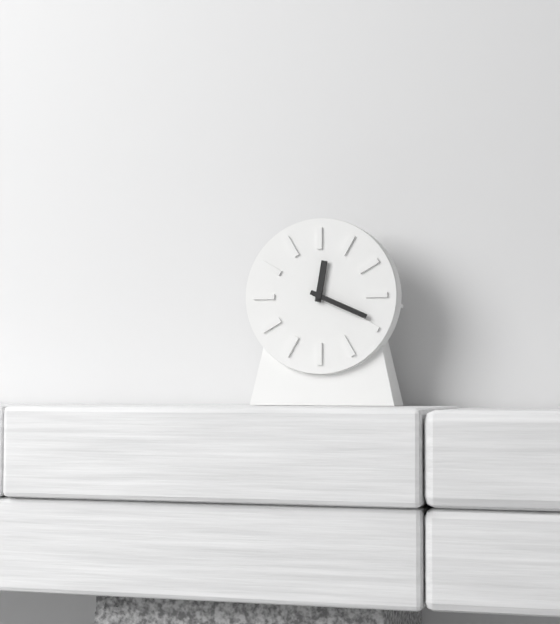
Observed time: **12:19**
